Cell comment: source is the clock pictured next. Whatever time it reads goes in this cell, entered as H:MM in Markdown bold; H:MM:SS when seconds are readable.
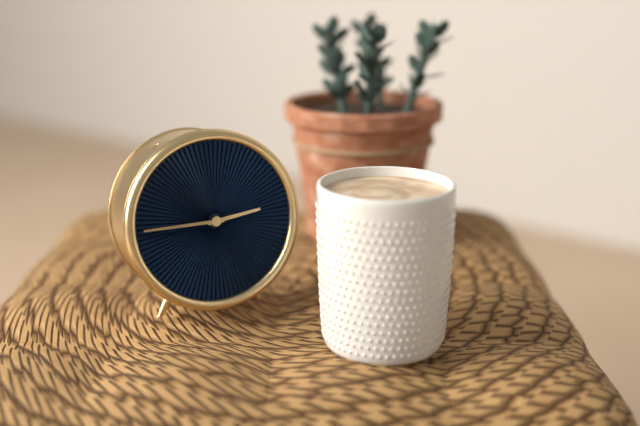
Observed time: **2:45**
